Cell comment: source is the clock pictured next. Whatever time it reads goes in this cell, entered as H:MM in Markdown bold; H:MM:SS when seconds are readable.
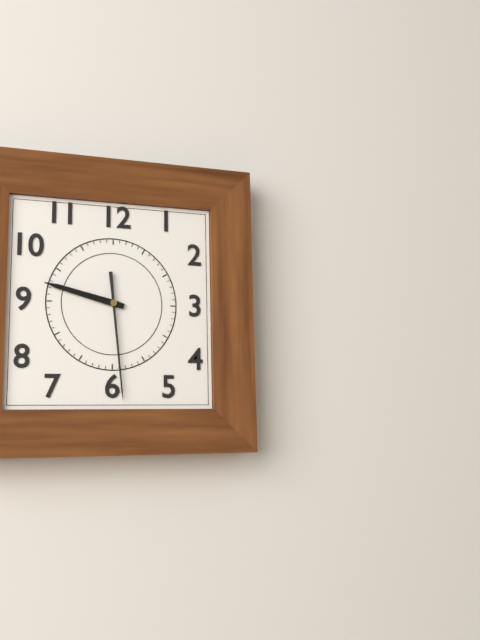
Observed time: **9:29**
